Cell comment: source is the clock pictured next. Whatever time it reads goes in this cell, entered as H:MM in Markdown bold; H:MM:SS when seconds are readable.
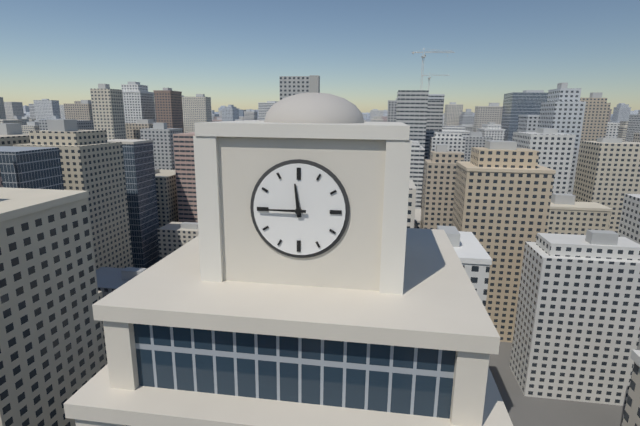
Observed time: **11:45**
